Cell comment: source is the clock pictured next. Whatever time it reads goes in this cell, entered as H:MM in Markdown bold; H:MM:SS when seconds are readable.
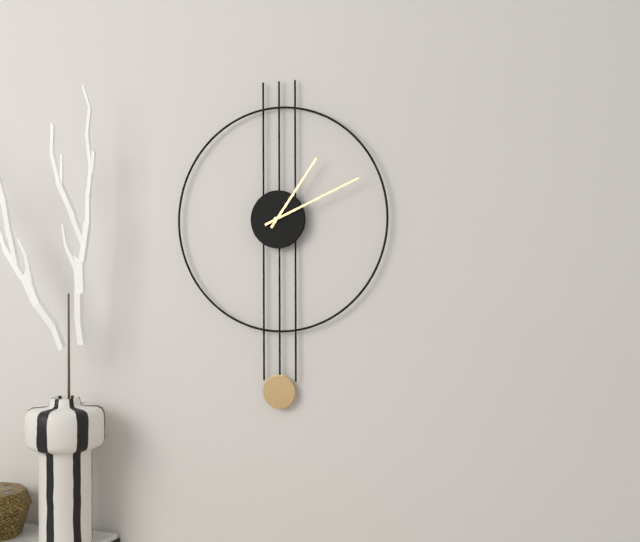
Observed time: **1:11**
